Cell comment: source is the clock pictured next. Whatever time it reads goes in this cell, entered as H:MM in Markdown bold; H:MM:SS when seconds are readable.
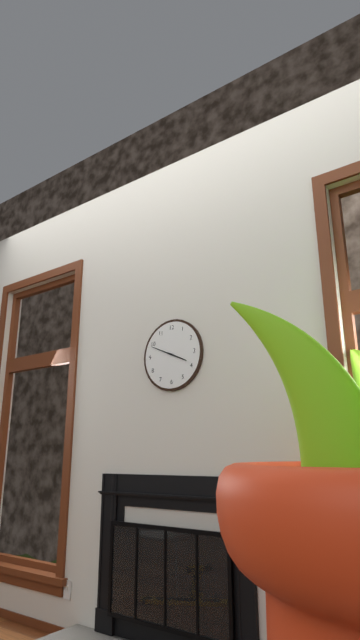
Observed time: **3:49**
